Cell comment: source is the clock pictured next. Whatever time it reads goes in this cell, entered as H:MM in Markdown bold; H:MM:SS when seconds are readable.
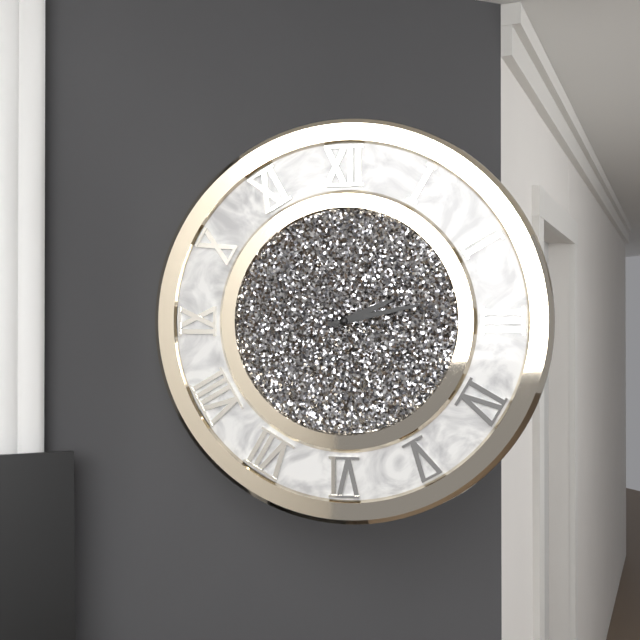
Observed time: **2:13**
